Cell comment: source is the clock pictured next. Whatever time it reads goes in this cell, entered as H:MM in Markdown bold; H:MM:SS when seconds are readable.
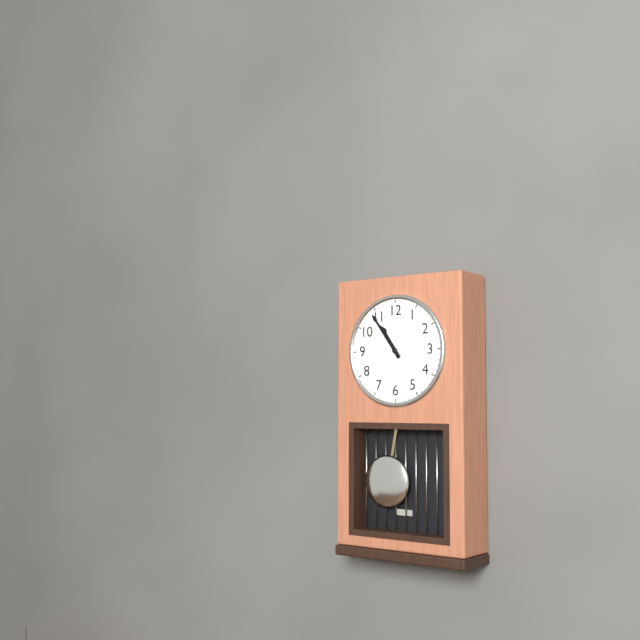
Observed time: **10:54**
